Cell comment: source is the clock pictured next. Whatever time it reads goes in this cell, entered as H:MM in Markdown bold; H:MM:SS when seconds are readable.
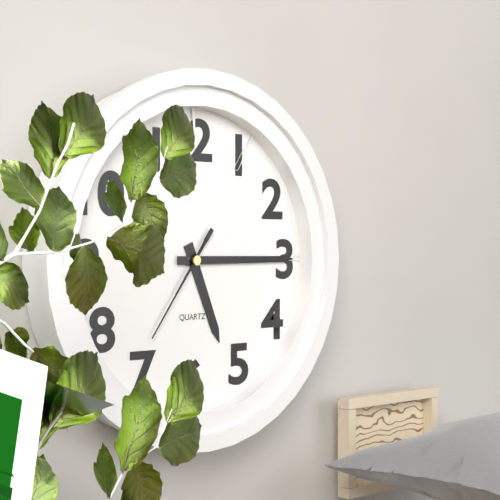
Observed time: **5:15:36**
